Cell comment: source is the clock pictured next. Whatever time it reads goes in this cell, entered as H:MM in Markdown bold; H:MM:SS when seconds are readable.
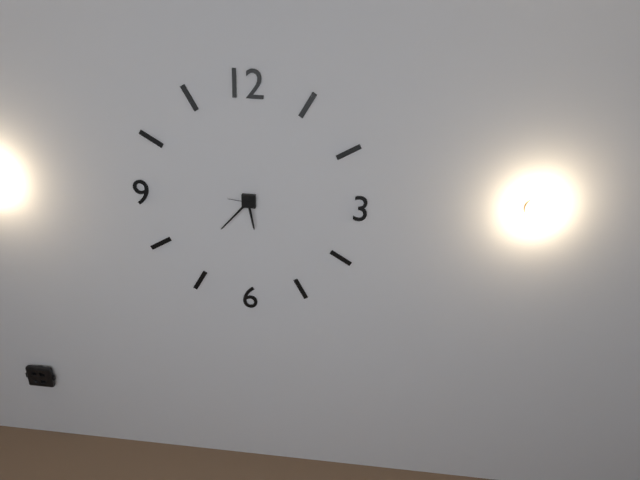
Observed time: **5:37**
